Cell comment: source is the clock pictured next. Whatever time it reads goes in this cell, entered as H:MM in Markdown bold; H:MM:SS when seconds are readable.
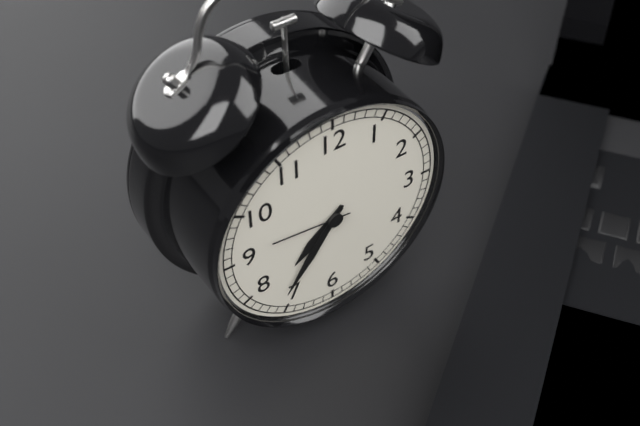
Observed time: **7:36:46**
